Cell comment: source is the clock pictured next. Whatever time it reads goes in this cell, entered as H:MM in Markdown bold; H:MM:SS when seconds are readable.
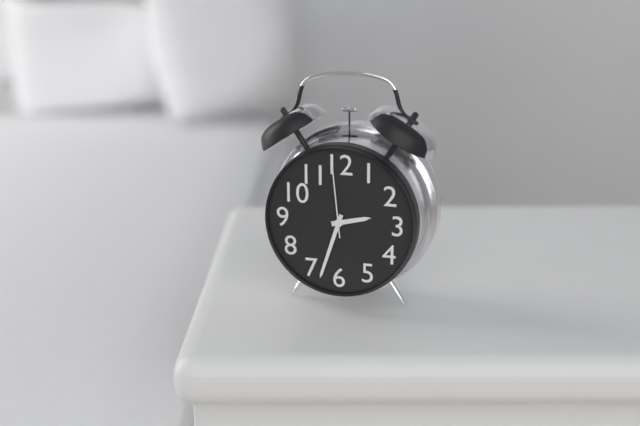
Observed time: **2:33:59**
